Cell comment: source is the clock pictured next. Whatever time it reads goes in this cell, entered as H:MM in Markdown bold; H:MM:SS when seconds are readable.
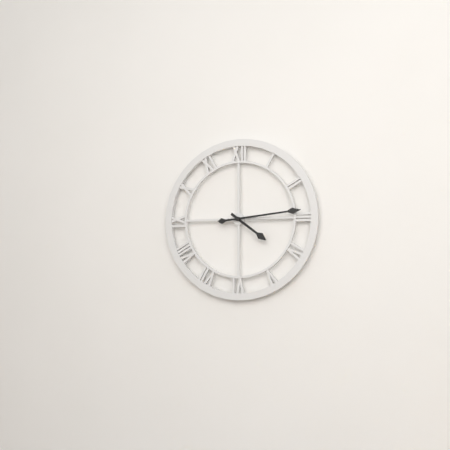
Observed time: **4:14**
